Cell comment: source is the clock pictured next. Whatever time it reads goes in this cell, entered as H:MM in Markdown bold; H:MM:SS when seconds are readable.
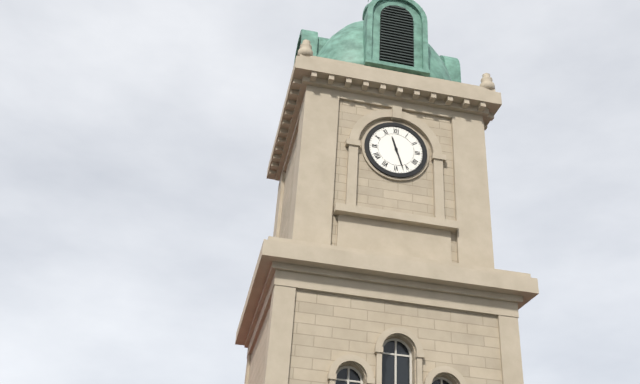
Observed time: **11:27**
